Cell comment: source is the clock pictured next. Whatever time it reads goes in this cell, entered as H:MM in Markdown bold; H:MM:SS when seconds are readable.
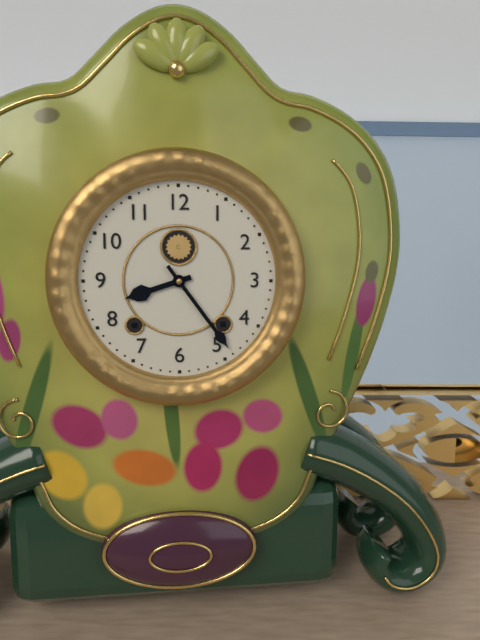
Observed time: **8:24**
